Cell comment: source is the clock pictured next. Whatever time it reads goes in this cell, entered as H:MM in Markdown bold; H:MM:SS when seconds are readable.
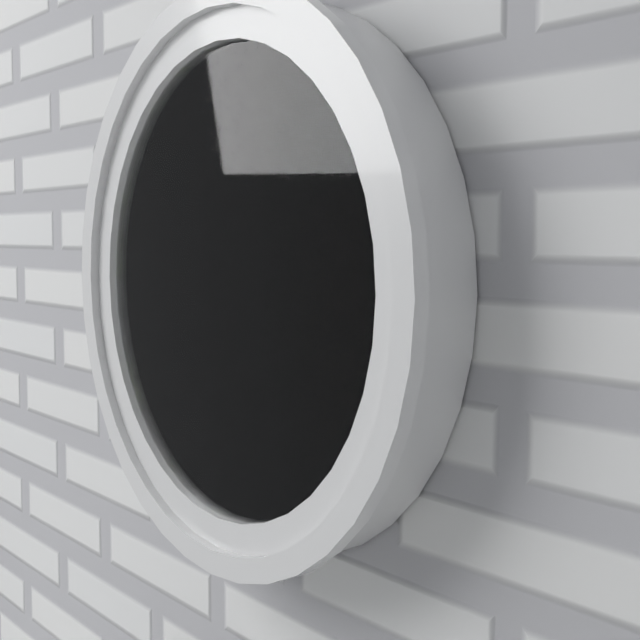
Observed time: **8:40:28**
